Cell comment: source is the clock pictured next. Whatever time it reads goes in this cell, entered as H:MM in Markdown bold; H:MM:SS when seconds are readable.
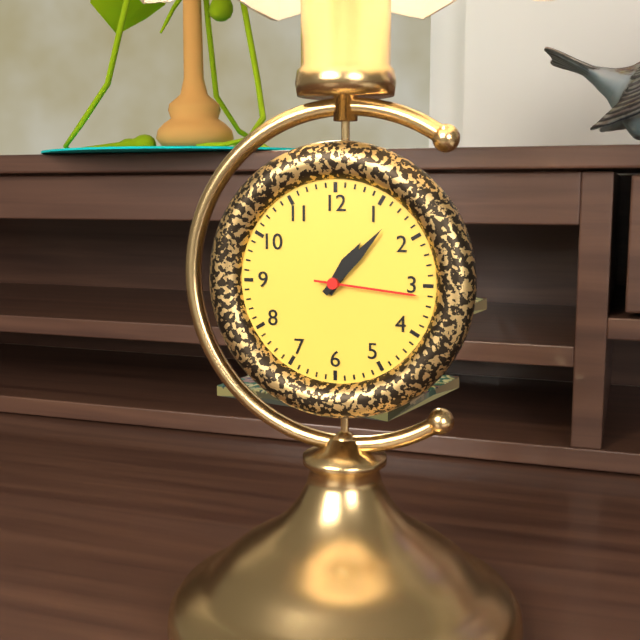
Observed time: **1:07:16**
